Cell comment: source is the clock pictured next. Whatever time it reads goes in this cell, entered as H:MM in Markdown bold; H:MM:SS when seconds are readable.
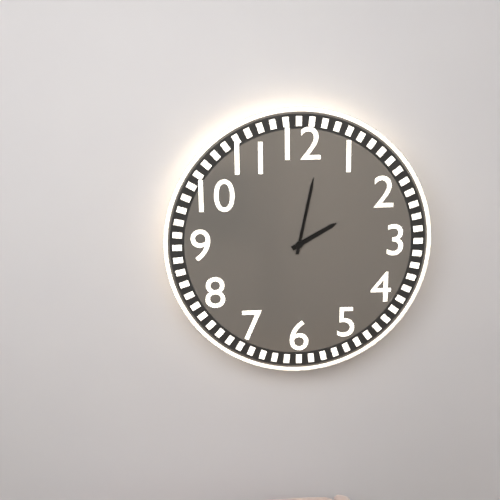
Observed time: **2:02**
